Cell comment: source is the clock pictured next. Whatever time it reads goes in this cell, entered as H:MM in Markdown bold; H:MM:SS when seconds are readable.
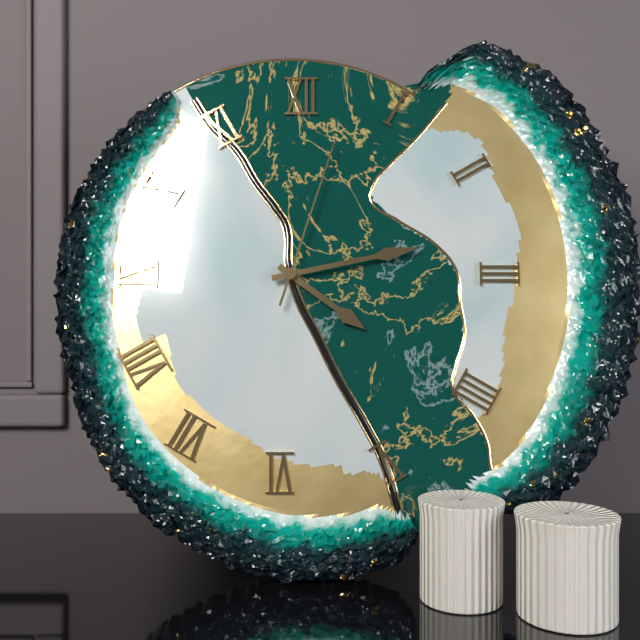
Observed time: **4:13:03**
